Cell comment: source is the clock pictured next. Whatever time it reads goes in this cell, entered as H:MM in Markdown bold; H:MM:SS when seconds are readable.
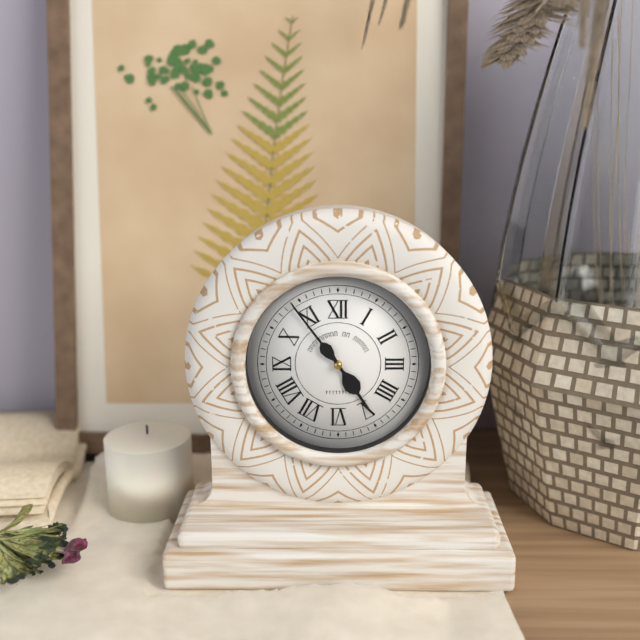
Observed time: **4:54**
